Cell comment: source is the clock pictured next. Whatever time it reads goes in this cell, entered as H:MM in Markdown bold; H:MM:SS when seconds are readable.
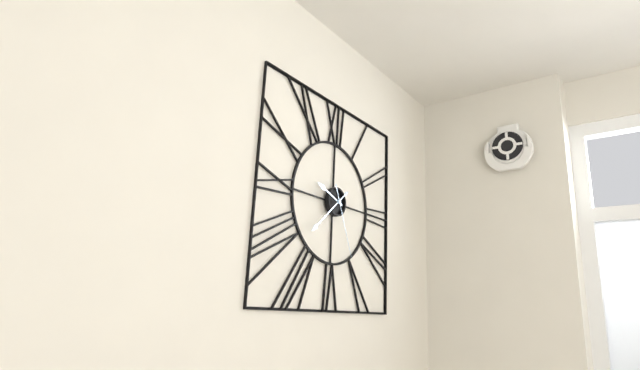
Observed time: **9:38:26**
